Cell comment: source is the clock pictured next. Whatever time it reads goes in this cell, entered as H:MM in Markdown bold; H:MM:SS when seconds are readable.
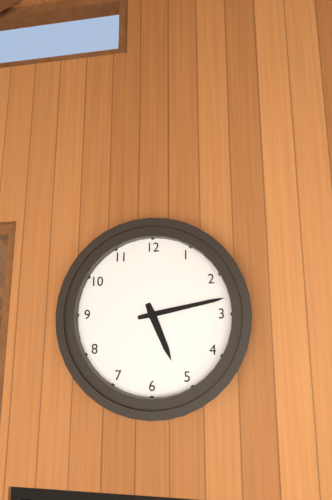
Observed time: **5:13**
